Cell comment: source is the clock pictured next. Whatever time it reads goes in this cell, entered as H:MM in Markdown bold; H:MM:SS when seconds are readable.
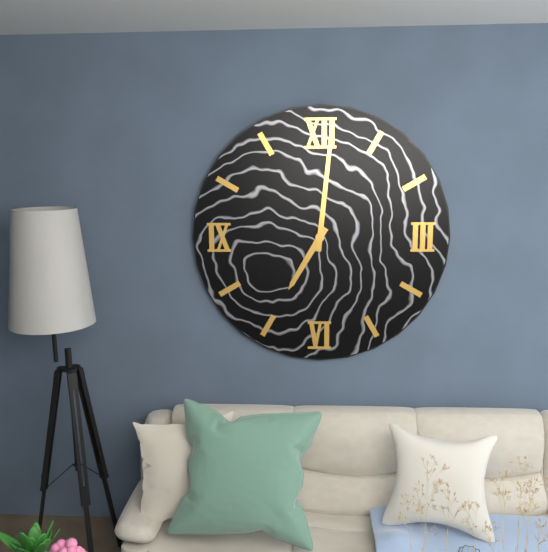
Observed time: **7:01**
